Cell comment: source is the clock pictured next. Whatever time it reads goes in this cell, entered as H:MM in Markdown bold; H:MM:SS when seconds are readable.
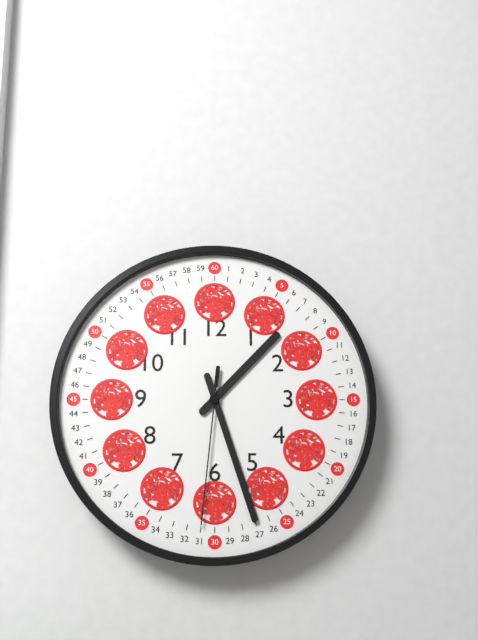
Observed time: **1:27:31**
